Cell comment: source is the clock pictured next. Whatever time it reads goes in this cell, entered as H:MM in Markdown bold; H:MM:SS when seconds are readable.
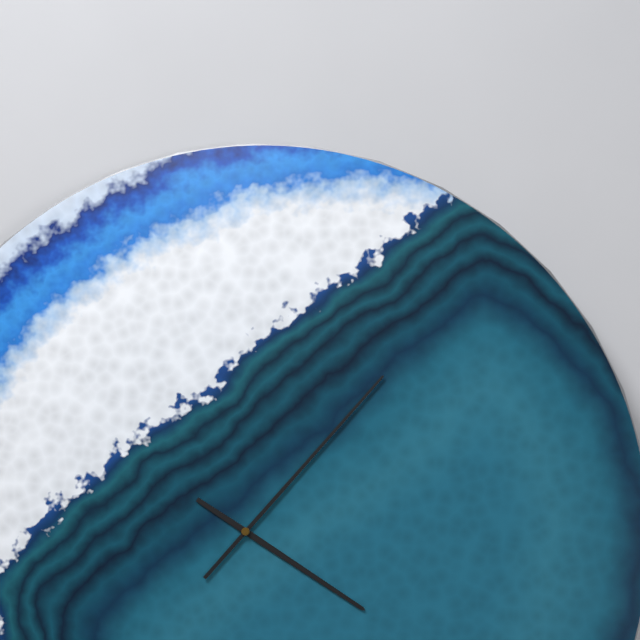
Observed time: **4:07**
